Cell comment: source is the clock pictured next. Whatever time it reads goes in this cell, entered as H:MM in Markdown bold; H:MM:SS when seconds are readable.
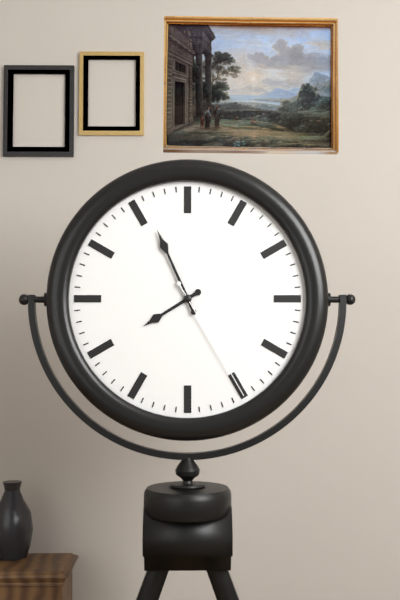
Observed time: **7:56:25**
